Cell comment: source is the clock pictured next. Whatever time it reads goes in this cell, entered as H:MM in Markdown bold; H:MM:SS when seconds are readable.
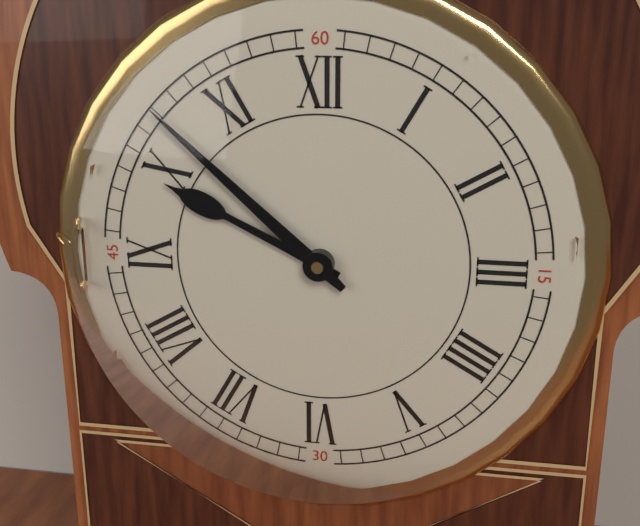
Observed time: **9:52**
